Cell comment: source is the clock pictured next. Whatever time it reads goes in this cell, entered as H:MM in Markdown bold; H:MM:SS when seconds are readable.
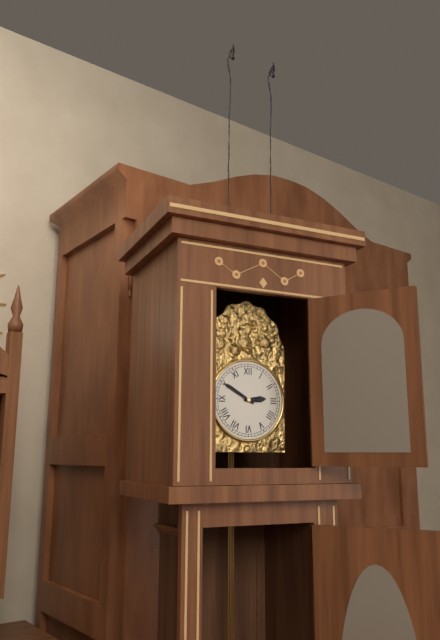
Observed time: **2:50**
